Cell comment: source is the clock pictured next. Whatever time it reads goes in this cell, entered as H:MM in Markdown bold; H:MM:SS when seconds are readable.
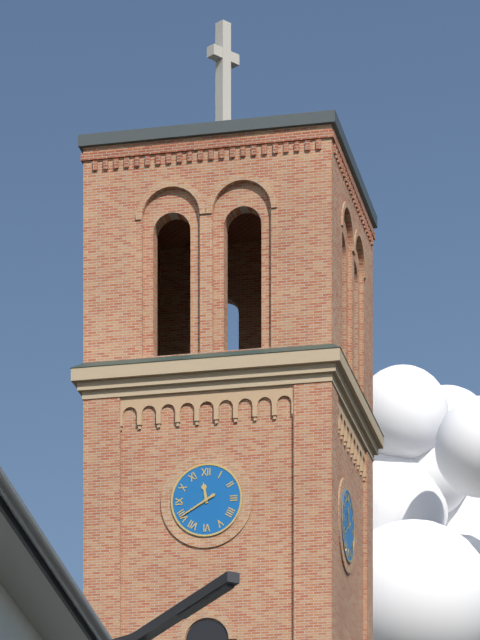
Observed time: **11:40**
